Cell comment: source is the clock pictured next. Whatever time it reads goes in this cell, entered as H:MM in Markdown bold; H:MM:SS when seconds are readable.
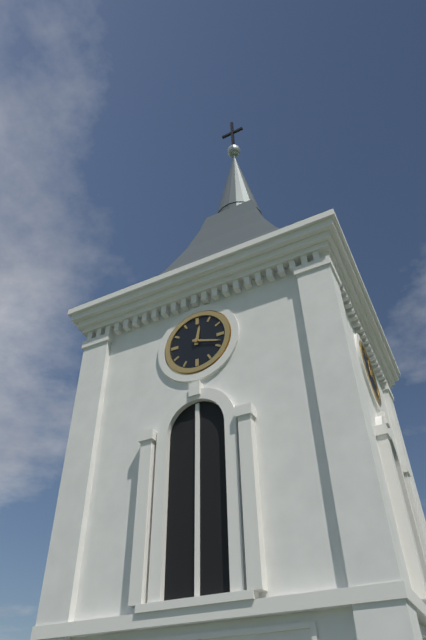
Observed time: **12:18**
